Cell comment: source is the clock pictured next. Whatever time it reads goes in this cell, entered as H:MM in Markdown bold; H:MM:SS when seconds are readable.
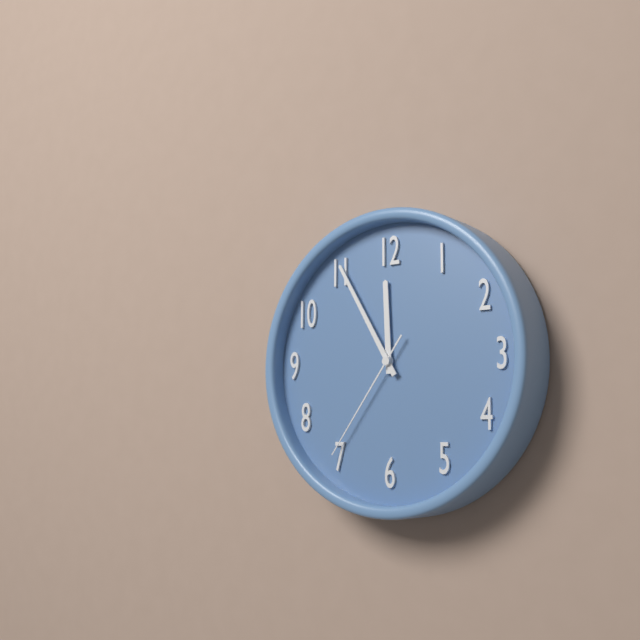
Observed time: **11:55:36**
